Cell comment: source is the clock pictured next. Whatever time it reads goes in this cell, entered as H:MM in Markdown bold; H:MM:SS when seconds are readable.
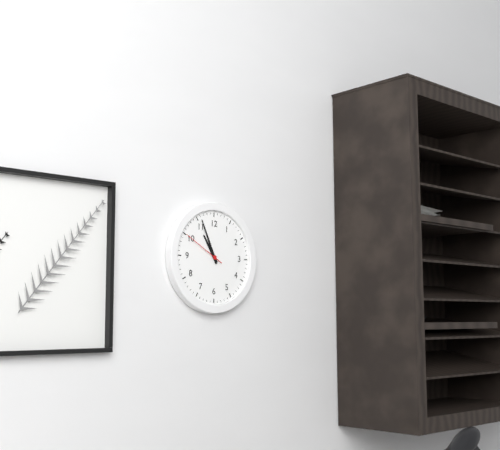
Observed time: **10:56**
